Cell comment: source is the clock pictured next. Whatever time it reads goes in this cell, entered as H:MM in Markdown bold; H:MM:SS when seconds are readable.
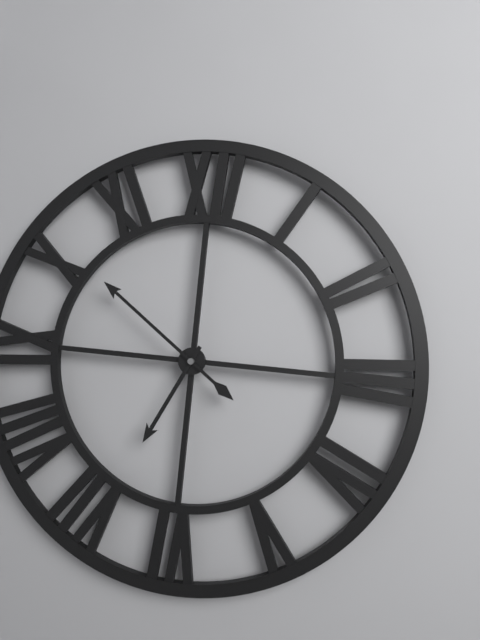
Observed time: **6:51**
